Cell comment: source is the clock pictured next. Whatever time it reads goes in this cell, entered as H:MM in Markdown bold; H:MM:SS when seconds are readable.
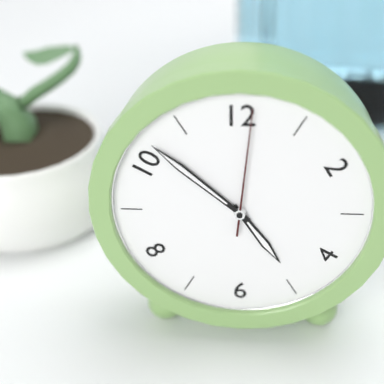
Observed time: **4:52:01**
